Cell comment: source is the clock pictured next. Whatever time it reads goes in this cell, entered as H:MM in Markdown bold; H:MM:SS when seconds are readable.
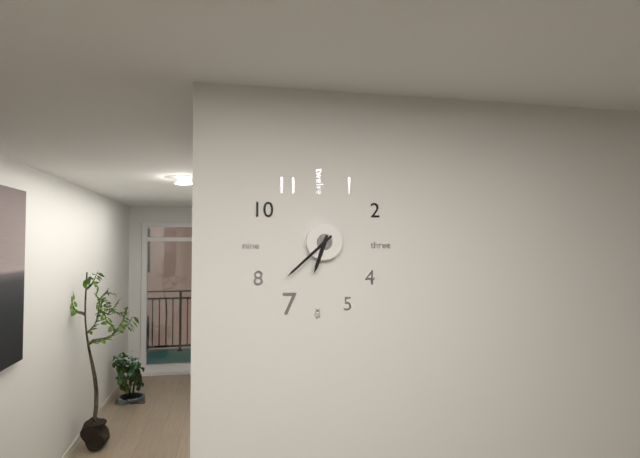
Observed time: **6:38**
